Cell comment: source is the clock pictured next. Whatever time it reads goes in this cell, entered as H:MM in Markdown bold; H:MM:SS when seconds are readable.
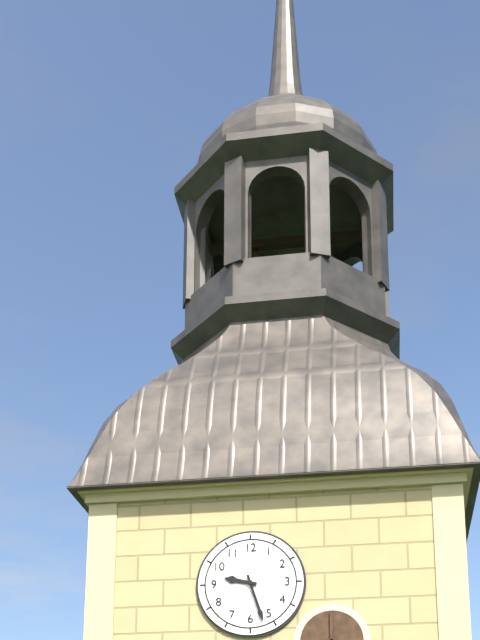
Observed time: **9:27**
